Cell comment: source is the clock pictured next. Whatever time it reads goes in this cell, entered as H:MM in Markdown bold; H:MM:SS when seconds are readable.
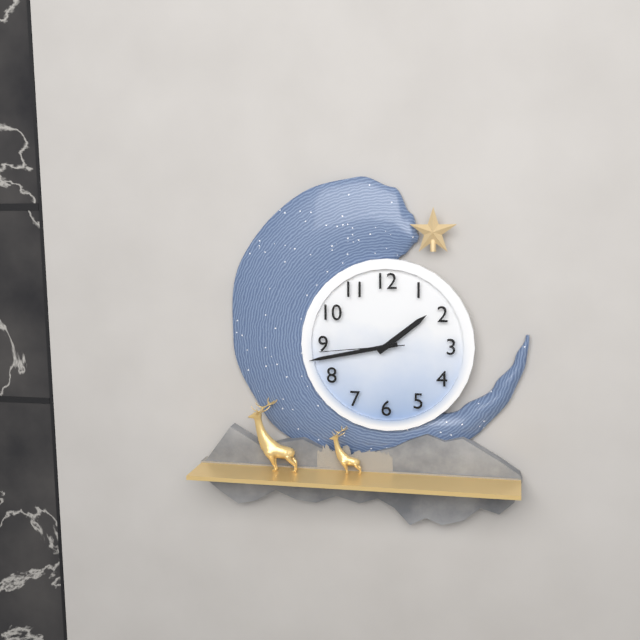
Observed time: **1:43:44**
